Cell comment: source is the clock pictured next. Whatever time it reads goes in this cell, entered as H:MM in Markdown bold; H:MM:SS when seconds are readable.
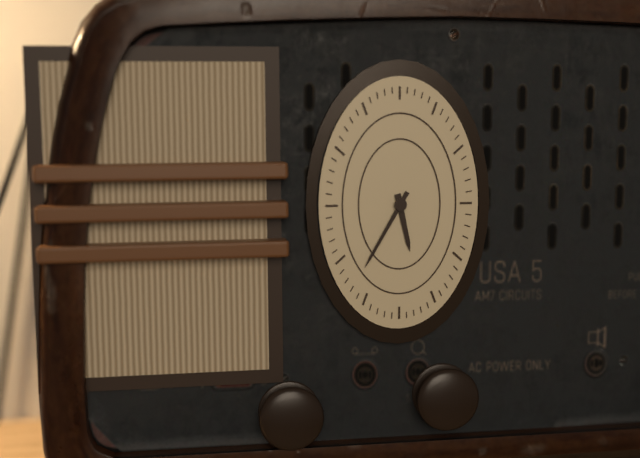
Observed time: **5:35**
